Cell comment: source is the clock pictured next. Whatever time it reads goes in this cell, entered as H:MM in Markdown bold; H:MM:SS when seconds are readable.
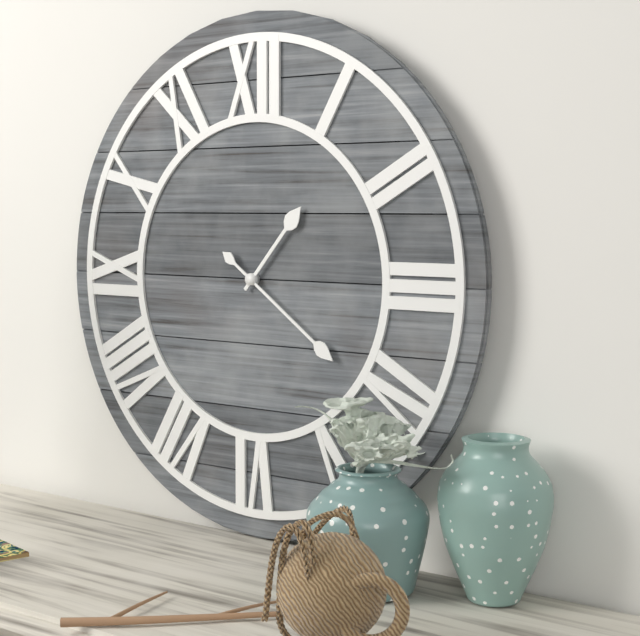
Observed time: **1:21**
